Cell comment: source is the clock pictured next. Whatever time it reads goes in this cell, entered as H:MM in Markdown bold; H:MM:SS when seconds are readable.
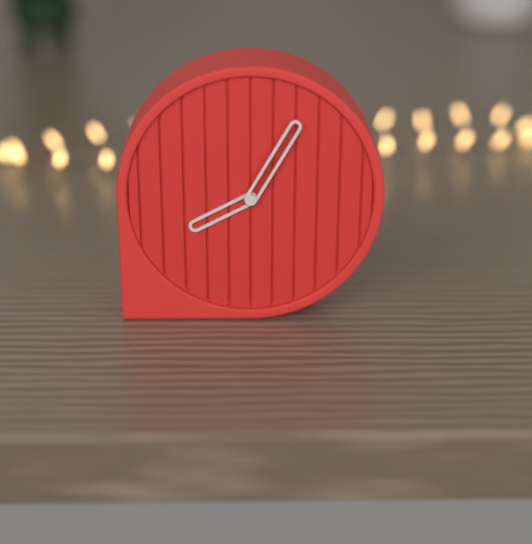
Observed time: **8:05**
